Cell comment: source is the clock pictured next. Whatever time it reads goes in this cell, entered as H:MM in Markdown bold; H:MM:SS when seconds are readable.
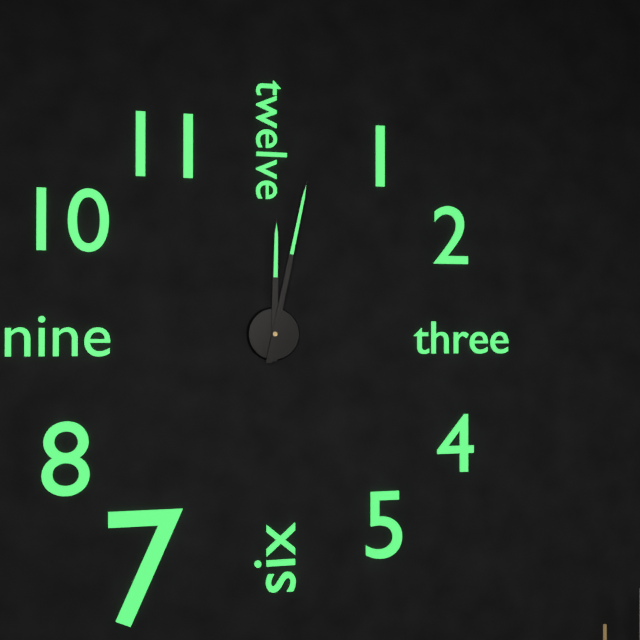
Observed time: **12:02**
